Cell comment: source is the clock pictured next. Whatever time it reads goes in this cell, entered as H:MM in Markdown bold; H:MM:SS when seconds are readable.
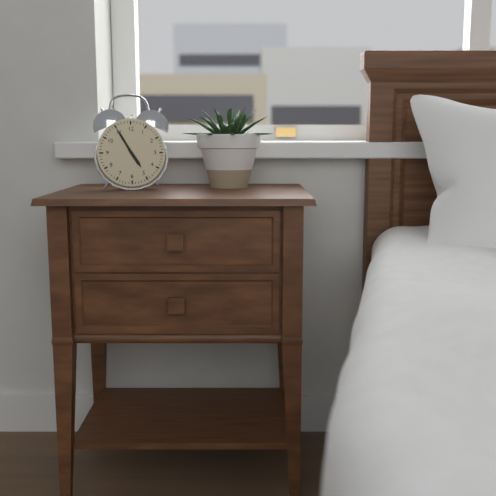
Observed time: **4:55**
